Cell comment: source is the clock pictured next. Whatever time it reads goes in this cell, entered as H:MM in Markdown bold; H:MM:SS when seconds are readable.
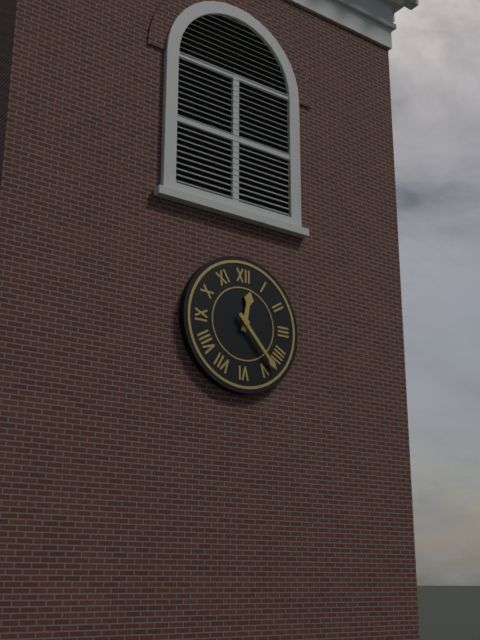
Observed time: **12:23**
